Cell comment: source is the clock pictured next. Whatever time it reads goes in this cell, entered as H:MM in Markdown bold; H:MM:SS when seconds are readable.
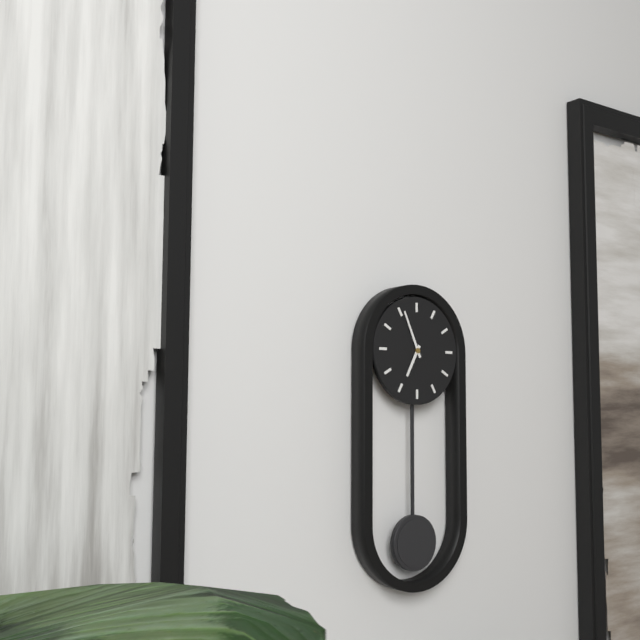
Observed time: **6:56**
